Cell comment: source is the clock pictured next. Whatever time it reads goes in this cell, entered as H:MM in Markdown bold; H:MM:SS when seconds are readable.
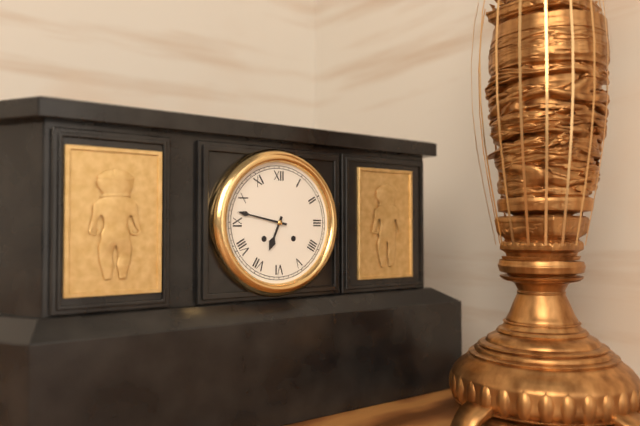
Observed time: **6:47**
